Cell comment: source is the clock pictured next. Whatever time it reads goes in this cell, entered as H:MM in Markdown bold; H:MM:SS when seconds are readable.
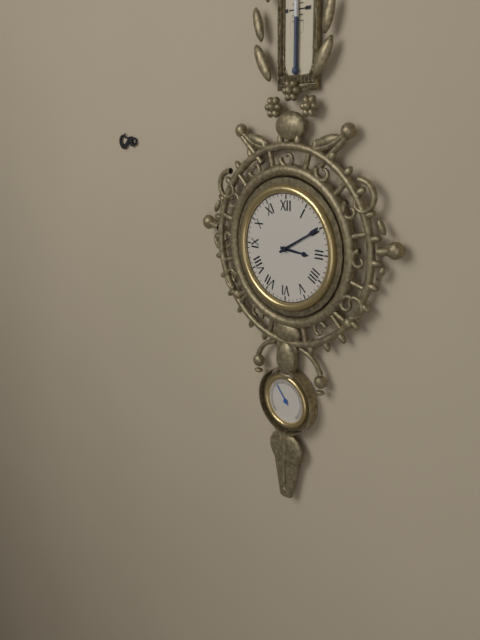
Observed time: **3:10**
